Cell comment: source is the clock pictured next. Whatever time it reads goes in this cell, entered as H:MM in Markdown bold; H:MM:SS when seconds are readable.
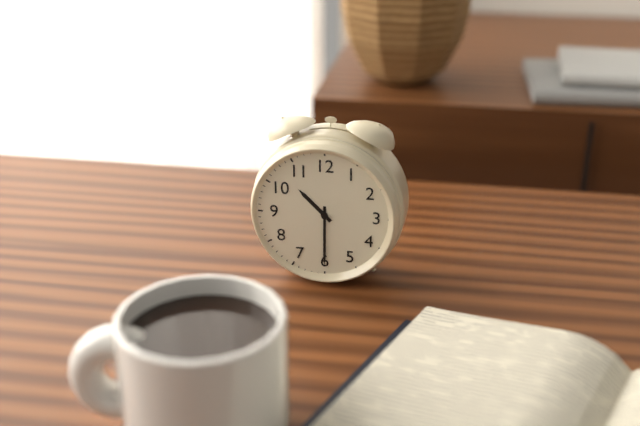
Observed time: **10:30**
